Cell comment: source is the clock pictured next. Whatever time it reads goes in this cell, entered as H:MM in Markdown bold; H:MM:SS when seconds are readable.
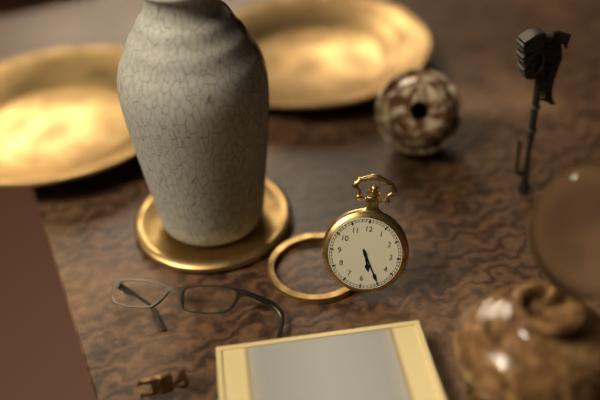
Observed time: **5:25**
